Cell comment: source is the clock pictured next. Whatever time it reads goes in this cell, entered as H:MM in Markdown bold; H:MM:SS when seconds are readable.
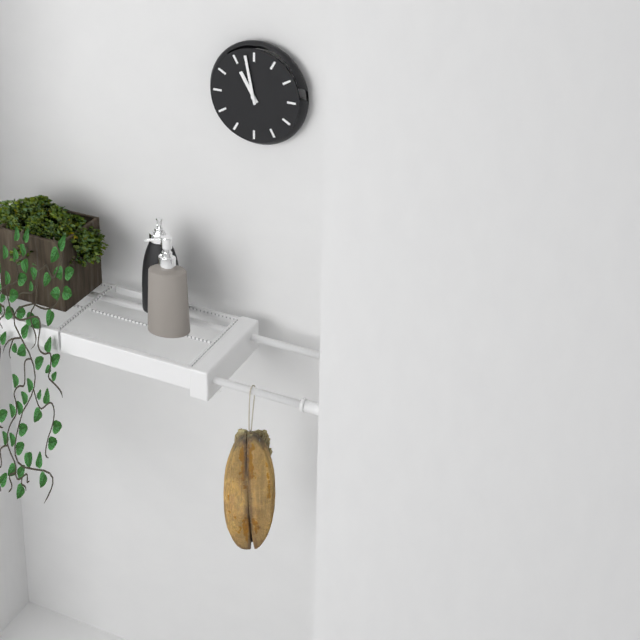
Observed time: **10:58**
